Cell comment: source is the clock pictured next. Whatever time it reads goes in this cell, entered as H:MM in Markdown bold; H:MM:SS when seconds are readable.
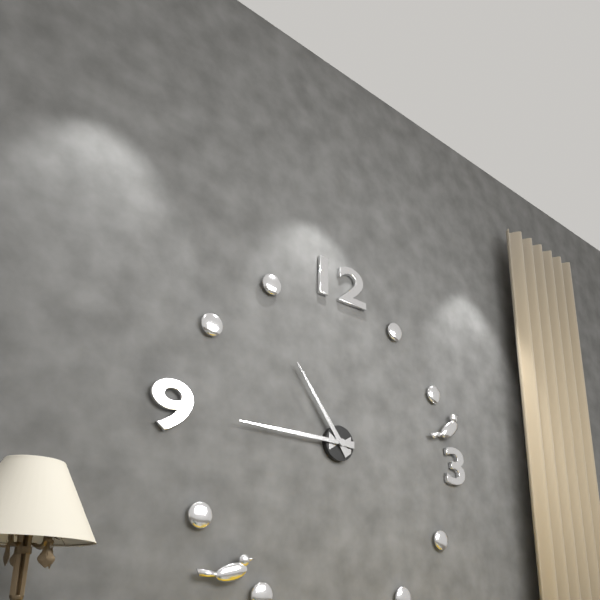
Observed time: **10:45**
